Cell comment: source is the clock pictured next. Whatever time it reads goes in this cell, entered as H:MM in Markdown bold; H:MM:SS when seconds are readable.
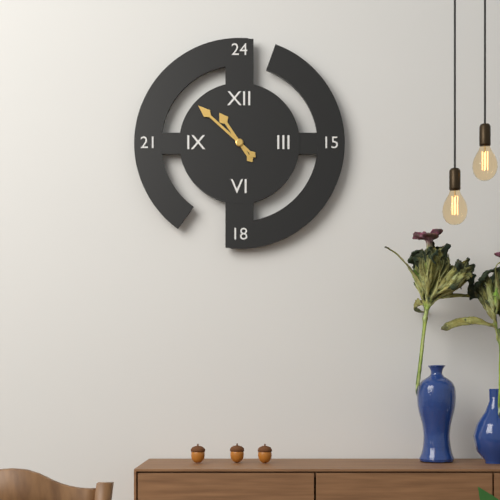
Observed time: **10:52**
